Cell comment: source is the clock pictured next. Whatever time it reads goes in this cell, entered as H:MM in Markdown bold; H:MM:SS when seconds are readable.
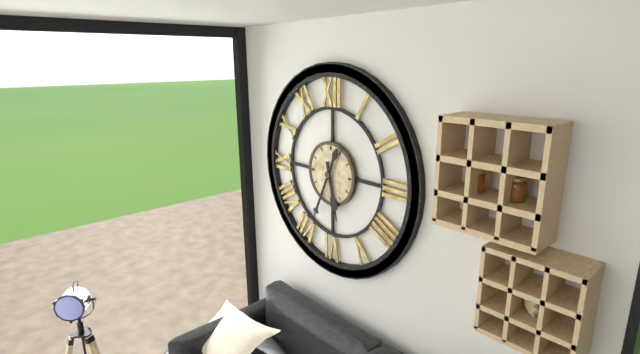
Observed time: **5:34**
